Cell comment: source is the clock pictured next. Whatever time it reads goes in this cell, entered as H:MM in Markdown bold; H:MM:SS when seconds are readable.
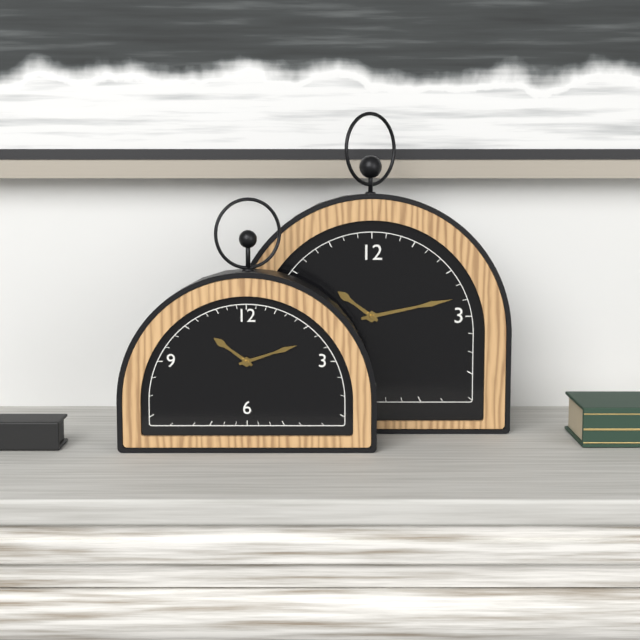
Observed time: **10:12**
